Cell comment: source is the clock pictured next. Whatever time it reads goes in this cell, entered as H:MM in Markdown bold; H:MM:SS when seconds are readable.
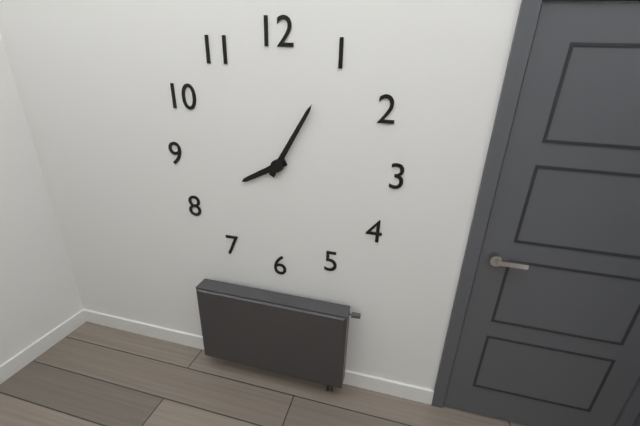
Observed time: **8:05**
